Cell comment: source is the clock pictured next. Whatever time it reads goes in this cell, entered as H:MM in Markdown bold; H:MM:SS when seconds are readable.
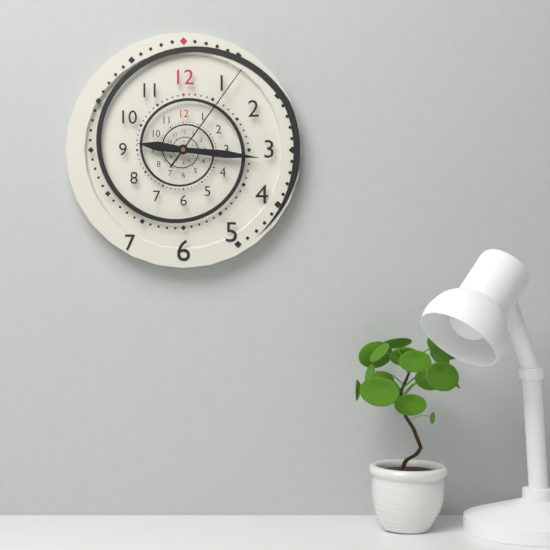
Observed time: **9:16:06**
